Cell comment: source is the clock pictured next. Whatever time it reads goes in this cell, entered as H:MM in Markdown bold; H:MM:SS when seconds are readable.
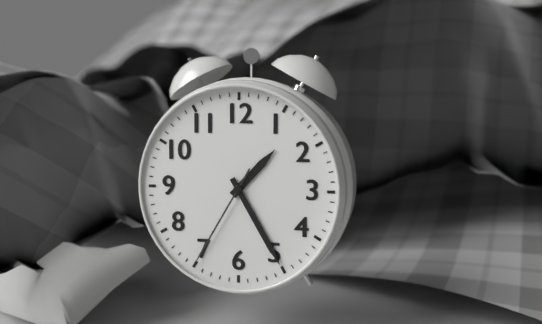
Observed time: **1:25:35**
